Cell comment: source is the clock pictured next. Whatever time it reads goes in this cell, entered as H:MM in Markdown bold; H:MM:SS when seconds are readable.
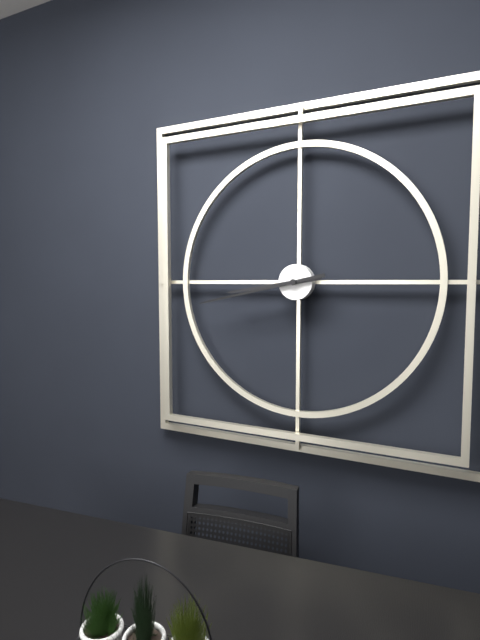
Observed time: **8:43**
